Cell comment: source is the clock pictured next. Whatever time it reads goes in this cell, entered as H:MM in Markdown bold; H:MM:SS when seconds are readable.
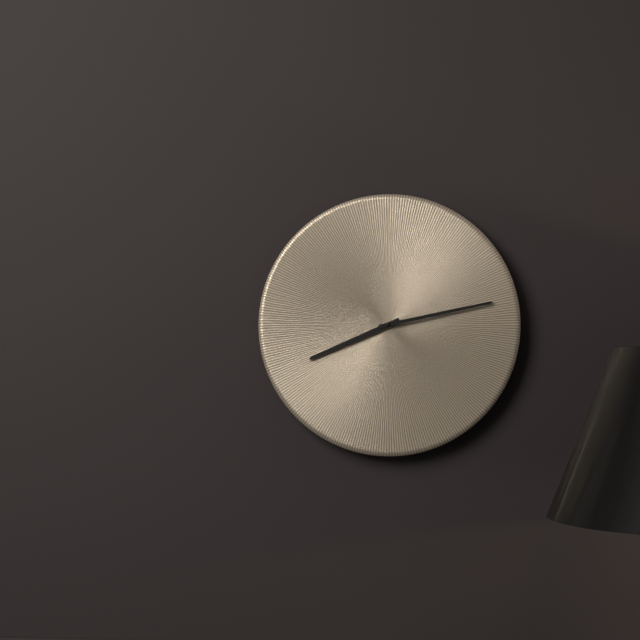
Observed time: **8:13**
